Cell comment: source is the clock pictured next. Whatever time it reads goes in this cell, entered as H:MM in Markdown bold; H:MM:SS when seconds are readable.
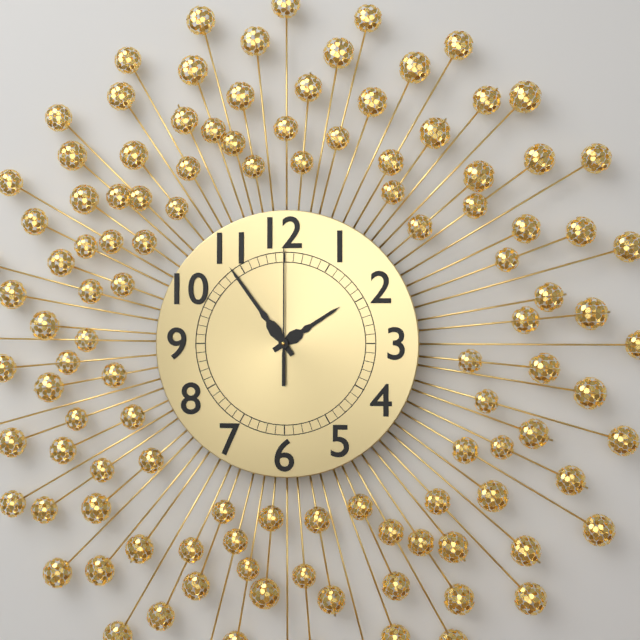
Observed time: **1:54:00**
